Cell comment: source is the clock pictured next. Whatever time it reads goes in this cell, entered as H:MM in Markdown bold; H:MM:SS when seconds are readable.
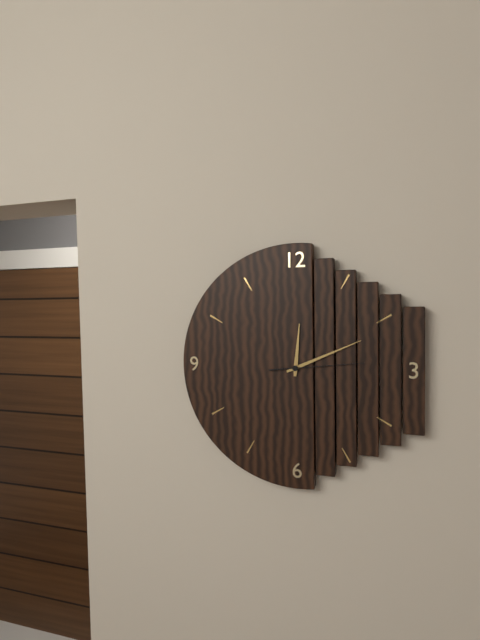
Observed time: **12:11:14**
